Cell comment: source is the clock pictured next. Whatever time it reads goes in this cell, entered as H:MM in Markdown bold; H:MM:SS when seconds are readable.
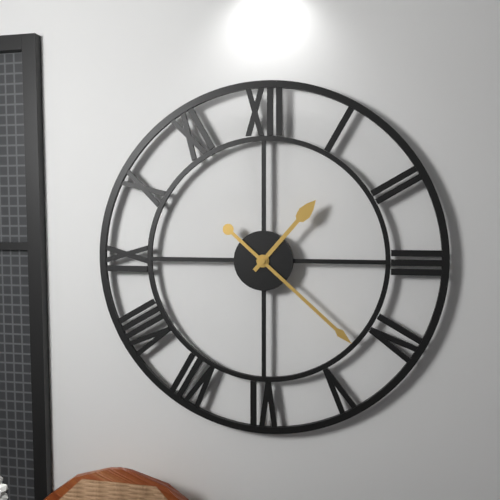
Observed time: **1:22**
